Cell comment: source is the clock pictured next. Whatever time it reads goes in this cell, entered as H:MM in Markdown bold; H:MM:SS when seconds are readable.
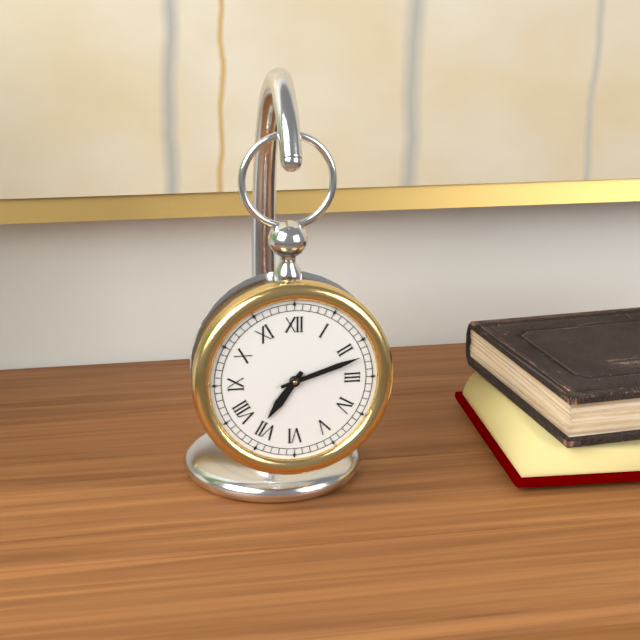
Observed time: **7:12**
